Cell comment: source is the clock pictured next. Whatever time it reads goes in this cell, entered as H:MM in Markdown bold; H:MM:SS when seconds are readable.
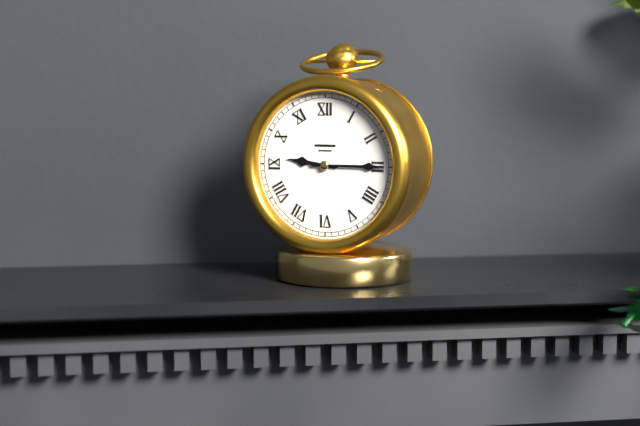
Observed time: **9:15**
